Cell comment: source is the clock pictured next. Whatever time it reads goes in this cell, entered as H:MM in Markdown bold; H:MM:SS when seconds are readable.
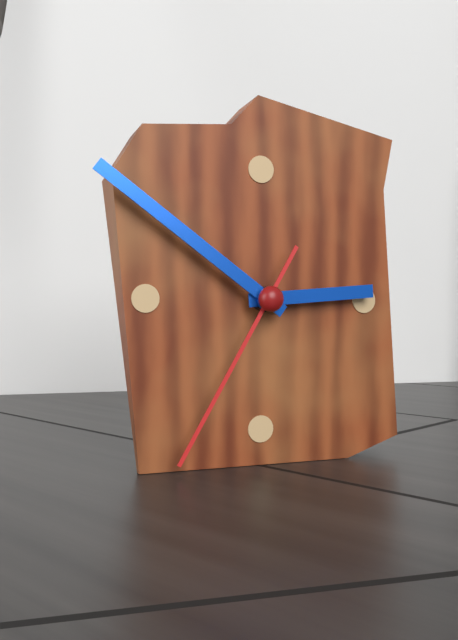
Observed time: **2:51:35**
